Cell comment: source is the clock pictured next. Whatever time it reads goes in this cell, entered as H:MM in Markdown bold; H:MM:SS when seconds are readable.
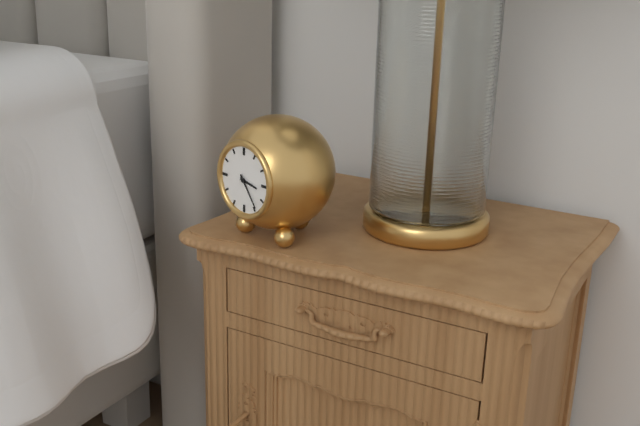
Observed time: **3:24**
